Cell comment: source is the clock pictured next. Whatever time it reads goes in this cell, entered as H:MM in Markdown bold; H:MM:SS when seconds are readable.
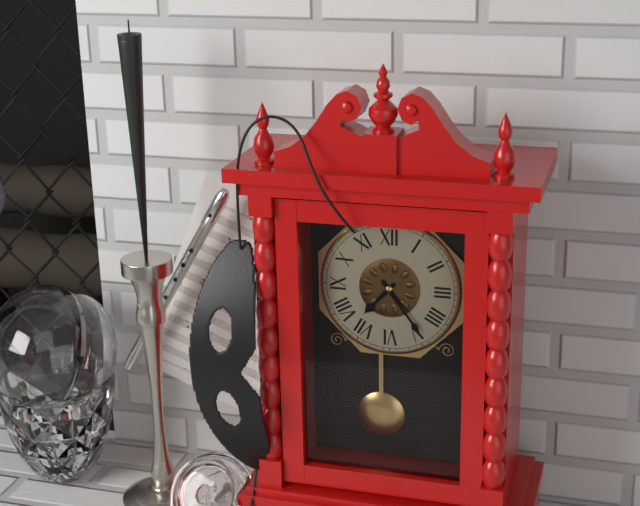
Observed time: **7:24**
